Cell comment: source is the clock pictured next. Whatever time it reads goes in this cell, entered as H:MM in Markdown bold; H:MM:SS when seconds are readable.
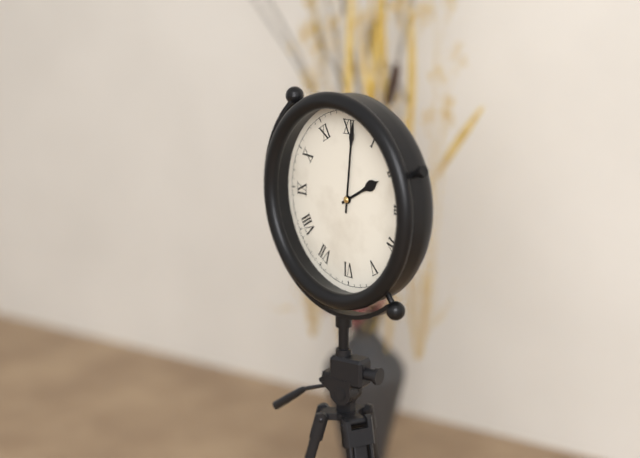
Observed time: **2:01**
